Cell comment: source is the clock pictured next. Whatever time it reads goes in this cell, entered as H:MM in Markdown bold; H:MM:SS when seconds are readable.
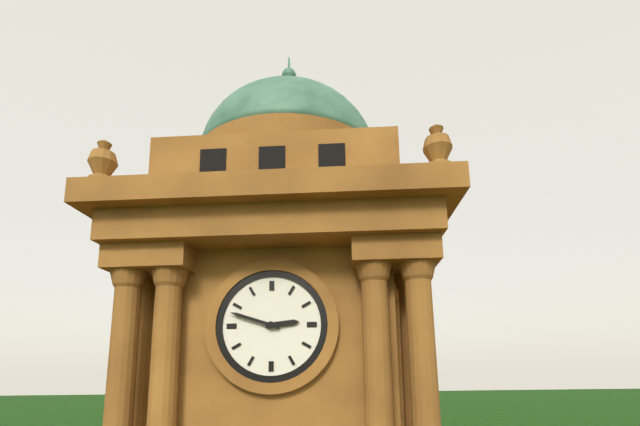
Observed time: **2:48**
